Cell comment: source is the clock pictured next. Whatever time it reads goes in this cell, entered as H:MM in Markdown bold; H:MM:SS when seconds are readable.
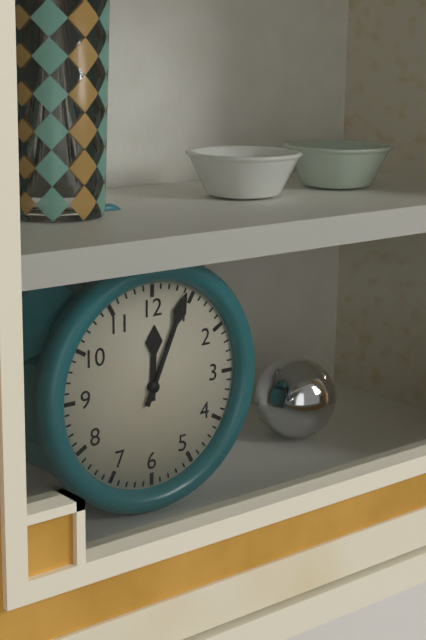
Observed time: **12:04**
